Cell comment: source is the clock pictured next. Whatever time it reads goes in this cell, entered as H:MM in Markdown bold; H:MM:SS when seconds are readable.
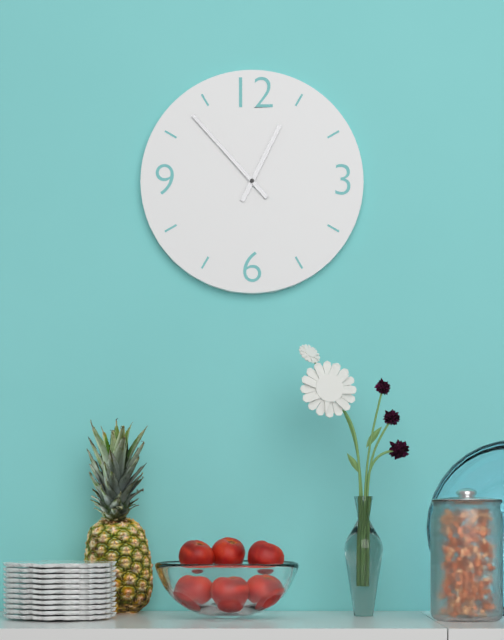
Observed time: **12:53**
